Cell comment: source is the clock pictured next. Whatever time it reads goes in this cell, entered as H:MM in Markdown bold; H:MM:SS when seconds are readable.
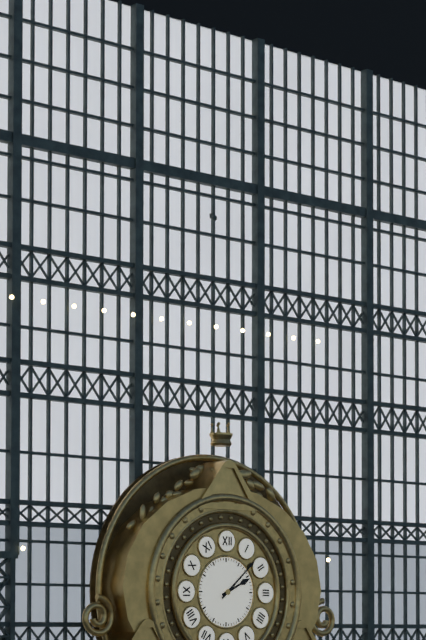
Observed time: **2:08**
